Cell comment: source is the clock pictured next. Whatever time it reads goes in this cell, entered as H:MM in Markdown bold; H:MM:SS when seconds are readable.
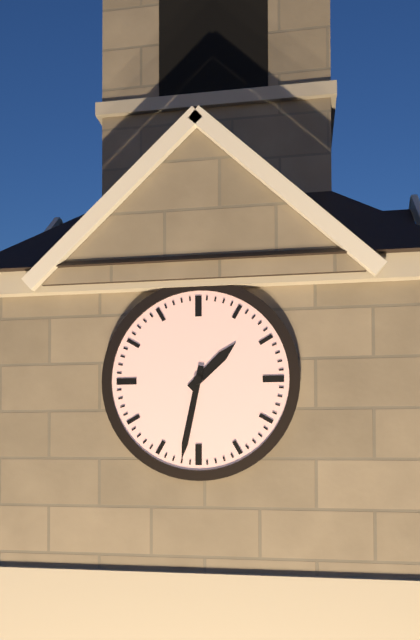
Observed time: **1:32**
